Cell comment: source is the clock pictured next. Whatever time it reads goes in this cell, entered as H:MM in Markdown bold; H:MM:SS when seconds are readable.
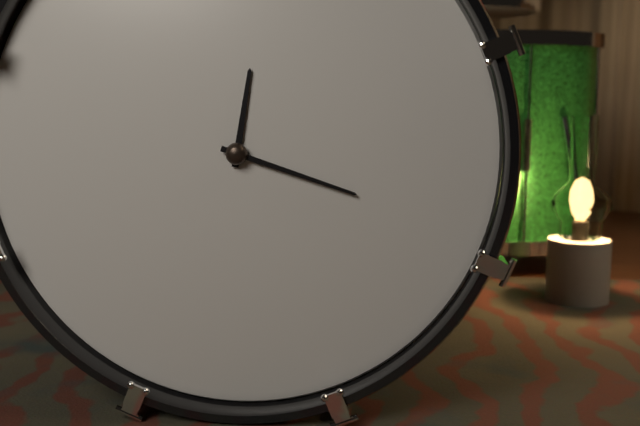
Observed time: **12:18**
